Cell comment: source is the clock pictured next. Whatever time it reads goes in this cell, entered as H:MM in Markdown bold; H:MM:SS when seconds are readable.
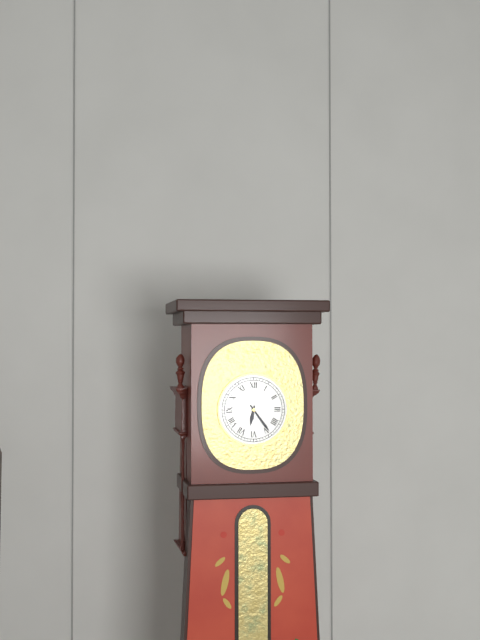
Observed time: **6:24**
